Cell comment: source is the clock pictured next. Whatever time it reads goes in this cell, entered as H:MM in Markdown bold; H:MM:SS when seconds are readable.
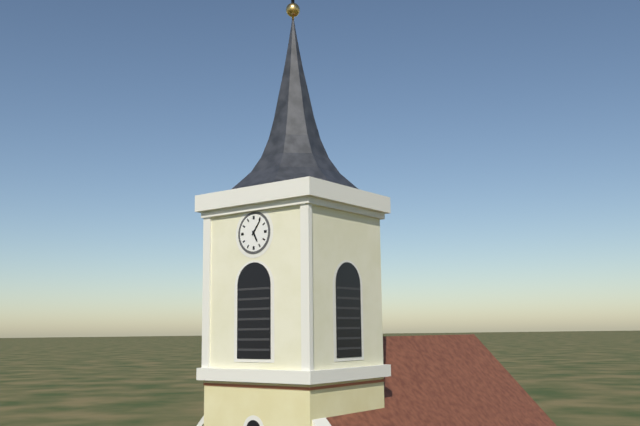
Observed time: **5:06**
